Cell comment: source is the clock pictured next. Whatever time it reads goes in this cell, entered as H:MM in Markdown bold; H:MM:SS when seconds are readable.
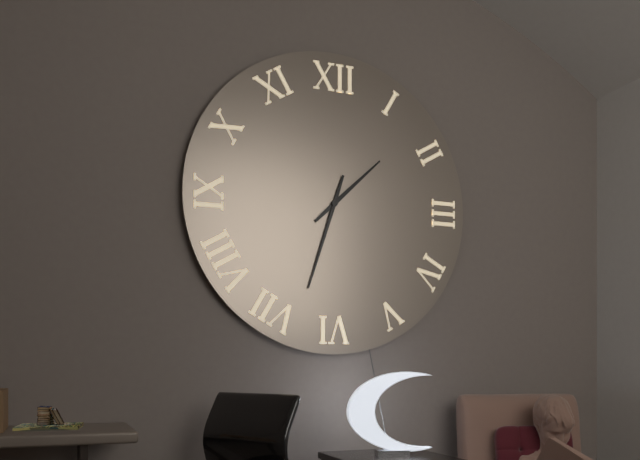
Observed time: **1:33**
